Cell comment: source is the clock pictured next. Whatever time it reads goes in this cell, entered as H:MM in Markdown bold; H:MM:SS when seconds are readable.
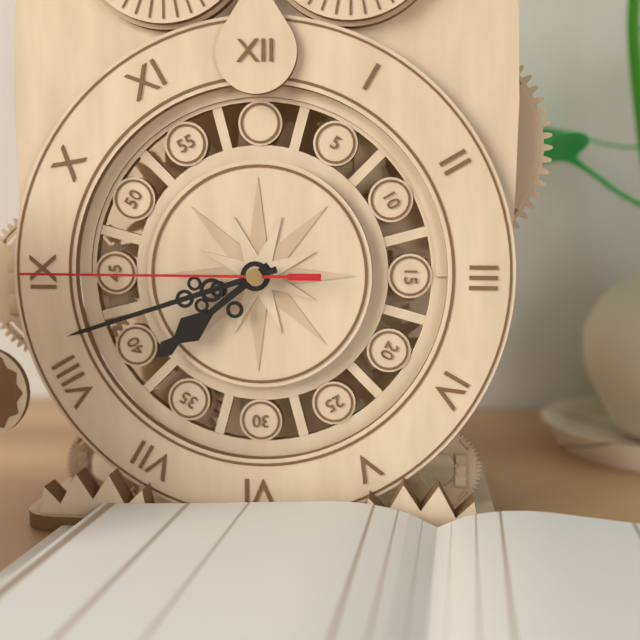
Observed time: **7:42:45**
